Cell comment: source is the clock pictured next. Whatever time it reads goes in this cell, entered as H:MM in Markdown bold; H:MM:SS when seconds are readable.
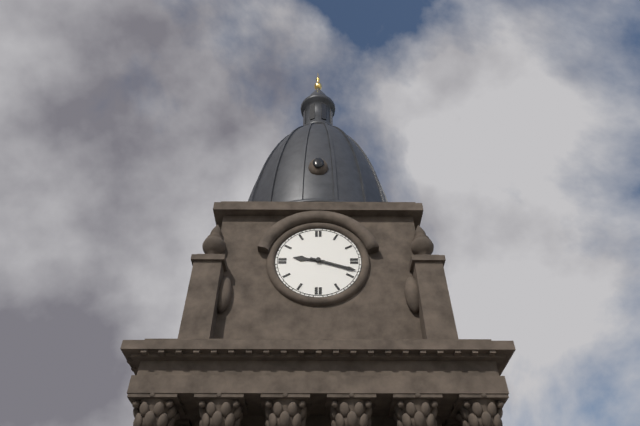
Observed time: **9:18**
